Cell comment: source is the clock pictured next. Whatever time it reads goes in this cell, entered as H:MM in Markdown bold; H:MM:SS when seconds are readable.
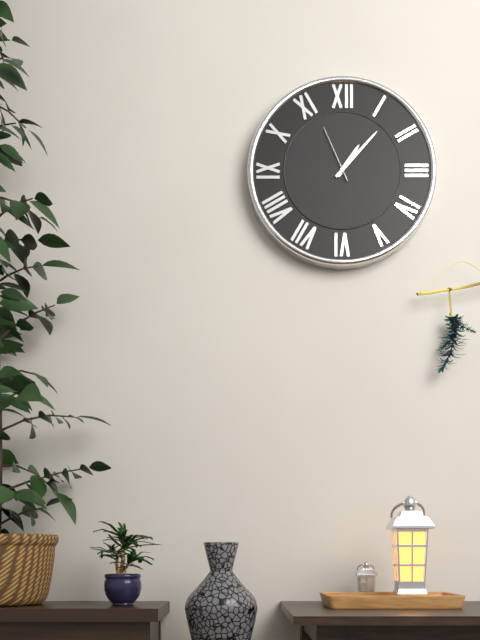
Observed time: **1:07:56**
